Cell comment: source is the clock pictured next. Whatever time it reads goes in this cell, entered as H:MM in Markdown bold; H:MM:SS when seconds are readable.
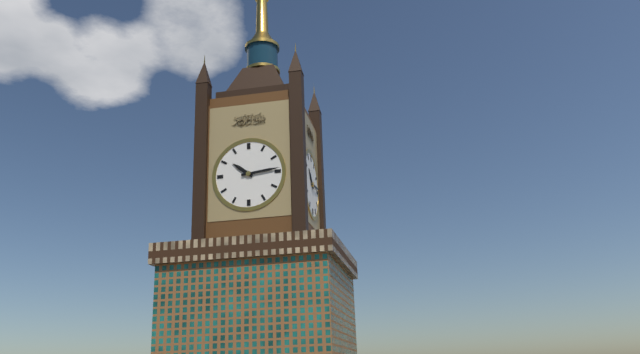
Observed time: **10:14**
